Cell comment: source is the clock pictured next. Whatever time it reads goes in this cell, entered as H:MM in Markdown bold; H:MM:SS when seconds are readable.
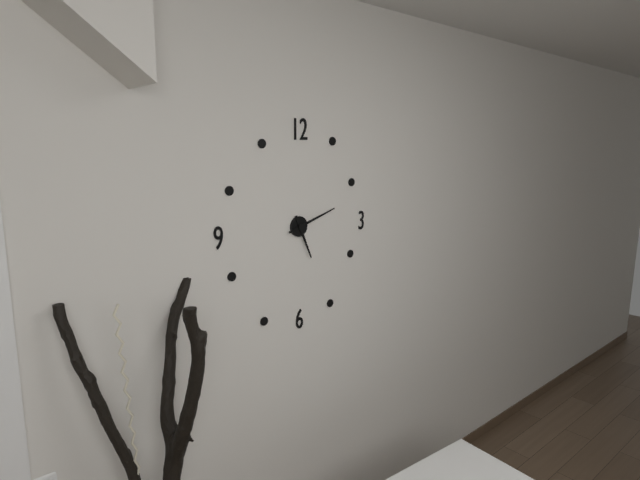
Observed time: **5:12**
